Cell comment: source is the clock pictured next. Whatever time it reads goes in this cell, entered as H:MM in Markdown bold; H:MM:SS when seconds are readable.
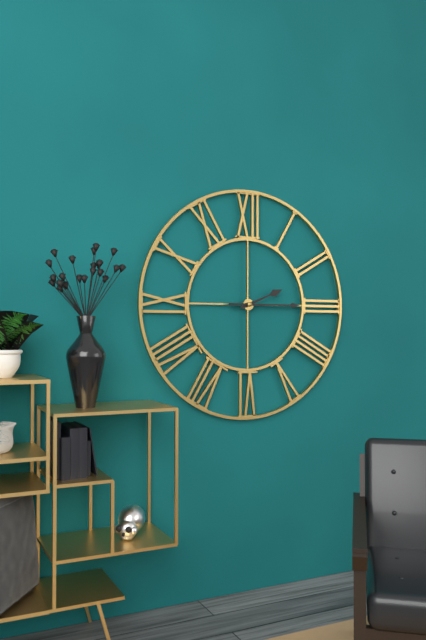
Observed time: **2:15**
